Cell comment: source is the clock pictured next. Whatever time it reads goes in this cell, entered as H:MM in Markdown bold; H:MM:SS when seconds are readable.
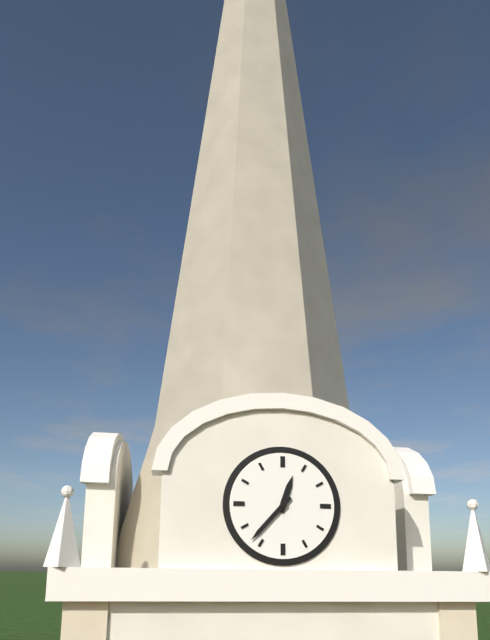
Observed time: **12:37**
